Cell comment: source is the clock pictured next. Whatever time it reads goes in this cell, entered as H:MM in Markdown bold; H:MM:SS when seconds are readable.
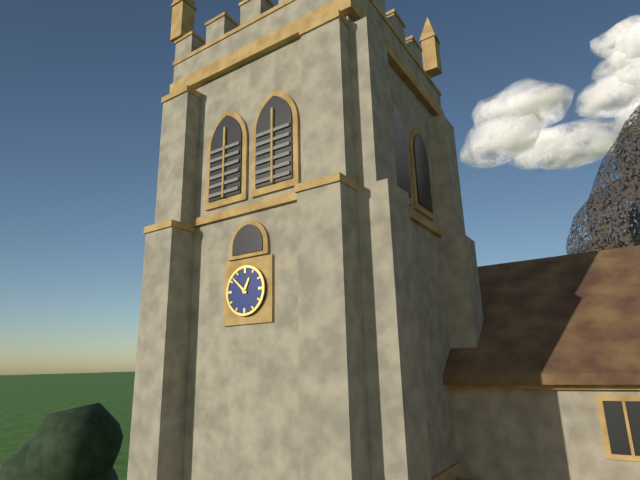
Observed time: **12:52**
